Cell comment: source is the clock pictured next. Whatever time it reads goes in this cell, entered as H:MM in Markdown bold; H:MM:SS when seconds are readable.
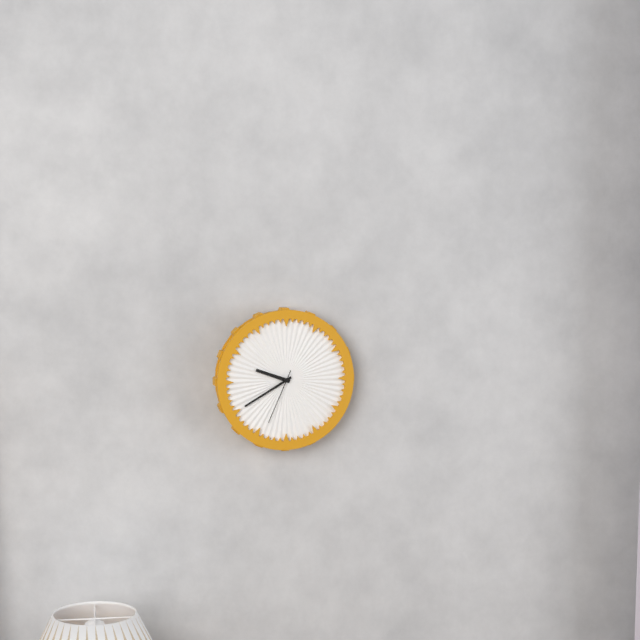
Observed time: **9:40:34**
